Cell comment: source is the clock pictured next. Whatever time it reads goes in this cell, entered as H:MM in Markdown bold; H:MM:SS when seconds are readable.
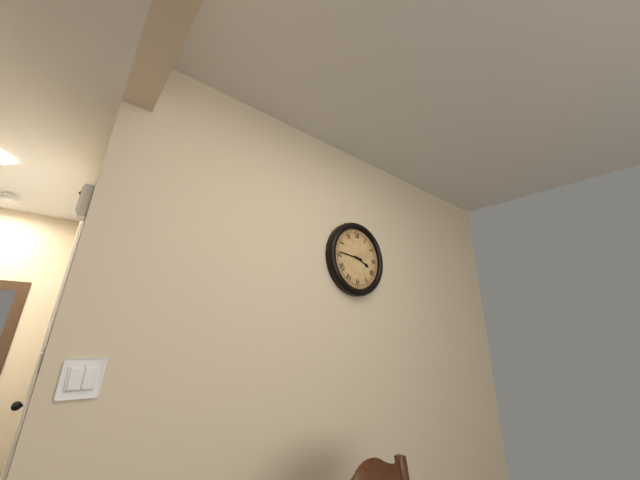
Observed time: **3:46**
